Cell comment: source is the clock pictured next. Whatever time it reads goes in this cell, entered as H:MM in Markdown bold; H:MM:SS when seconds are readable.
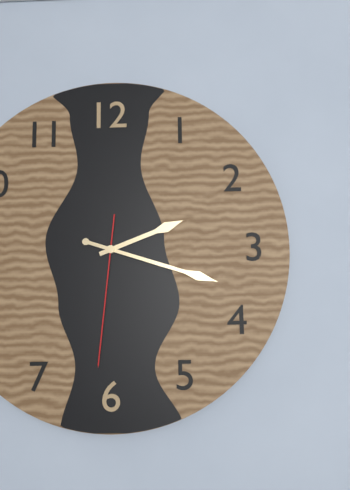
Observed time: **2:18:31**
